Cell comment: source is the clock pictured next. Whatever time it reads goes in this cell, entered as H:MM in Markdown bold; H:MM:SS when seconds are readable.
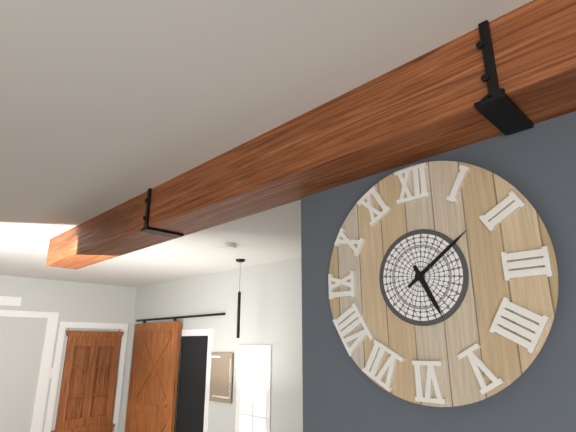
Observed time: **5:09**
